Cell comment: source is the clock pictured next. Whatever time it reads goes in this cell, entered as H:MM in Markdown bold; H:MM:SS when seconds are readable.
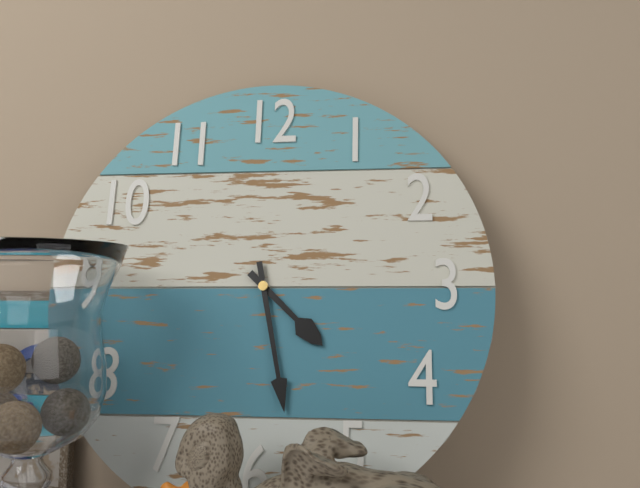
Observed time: **4:28**
